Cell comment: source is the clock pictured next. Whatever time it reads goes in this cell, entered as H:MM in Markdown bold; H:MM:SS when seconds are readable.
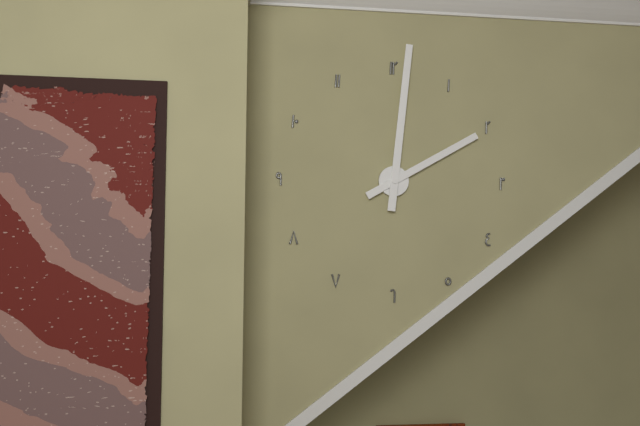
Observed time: **2:01**
